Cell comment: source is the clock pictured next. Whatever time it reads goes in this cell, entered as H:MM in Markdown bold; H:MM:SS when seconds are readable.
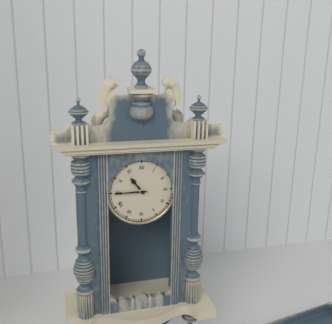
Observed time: **10:45**
